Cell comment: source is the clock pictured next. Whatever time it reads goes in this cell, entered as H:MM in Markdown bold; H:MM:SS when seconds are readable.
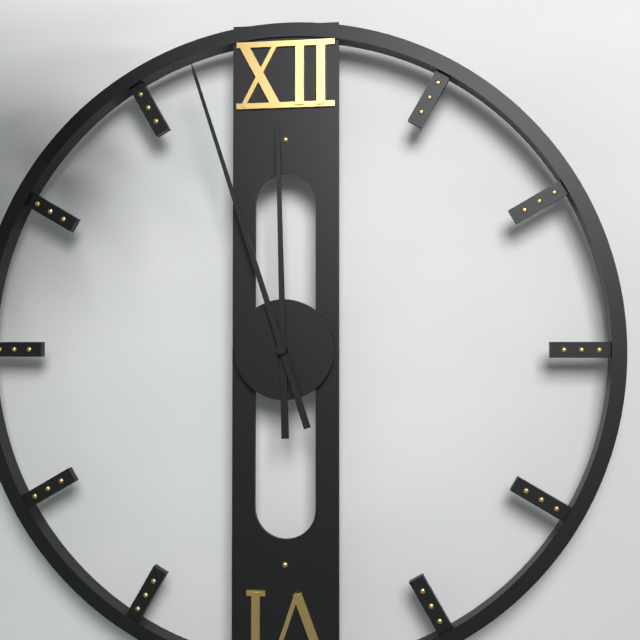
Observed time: **11:57**
